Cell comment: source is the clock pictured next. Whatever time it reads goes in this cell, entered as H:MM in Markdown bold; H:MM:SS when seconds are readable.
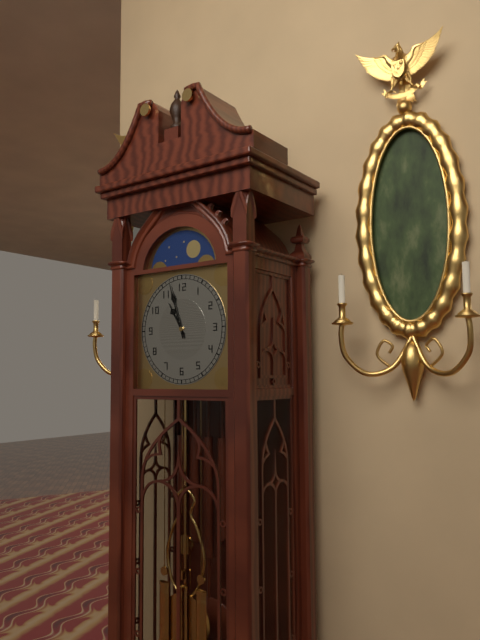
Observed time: **10:57**
